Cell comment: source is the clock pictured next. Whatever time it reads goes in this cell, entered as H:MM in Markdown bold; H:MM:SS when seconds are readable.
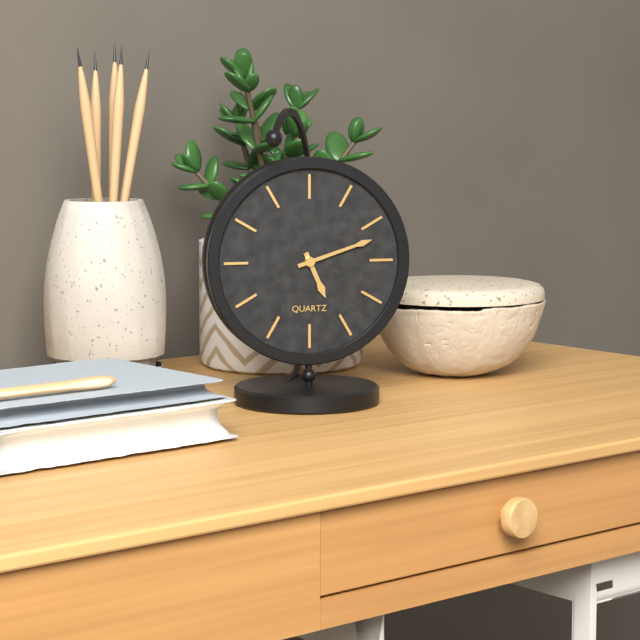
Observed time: **5:12**
